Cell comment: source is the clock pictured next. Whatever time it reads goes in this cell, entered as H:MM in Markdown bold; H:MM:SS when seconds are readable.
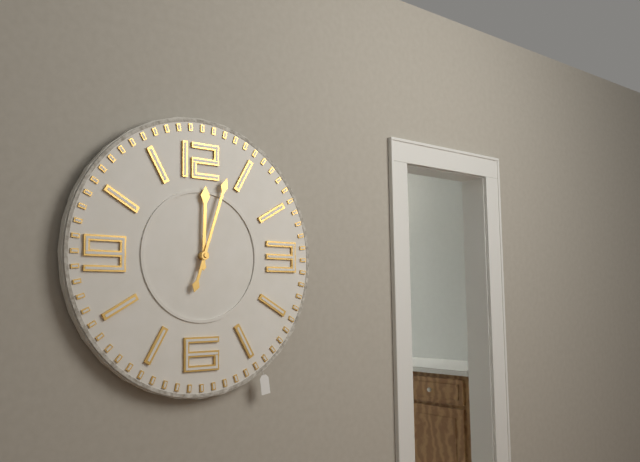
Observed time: **12:03**
